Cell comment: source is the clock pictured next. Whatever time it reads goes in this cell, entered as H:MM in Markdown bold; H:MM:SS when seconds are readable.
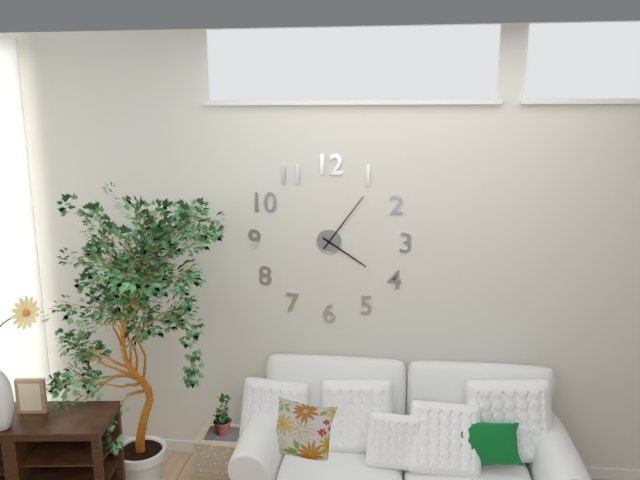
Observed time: **4:06**
